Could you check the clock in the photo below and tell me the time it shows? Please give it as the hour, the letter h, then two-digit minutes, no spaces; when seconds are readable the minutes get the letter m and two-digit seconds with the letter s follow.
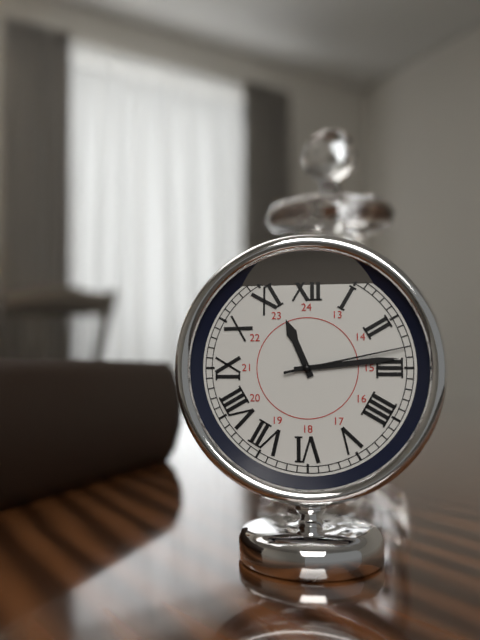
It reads 11h14m13s
